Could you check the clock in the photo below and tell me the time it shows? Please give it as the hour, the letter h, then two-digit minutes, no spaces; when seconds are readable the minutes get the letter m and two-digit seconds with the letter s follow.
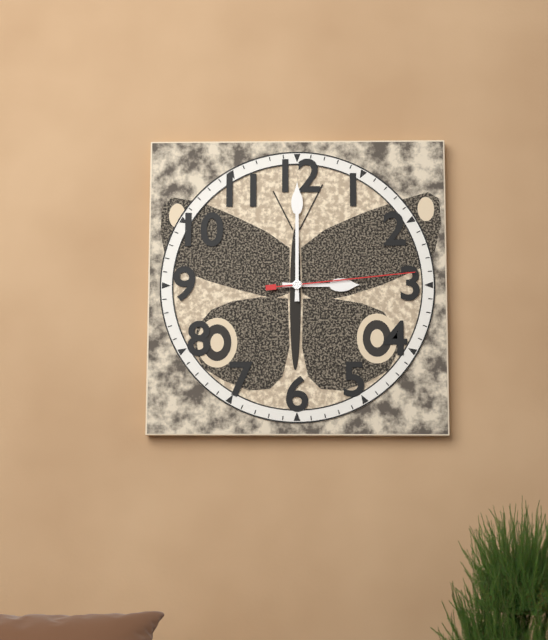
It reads 3h00m14s
